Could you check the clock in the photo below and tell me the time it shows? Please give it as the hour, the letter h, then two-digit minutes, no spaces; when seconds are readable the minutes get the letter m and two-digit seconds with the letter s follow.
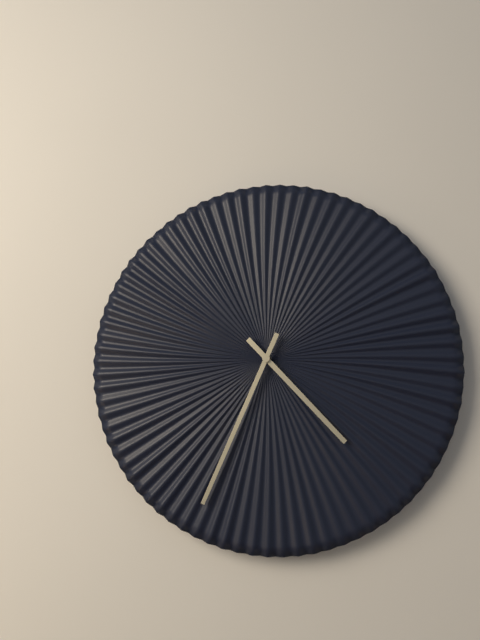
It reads 4h34
